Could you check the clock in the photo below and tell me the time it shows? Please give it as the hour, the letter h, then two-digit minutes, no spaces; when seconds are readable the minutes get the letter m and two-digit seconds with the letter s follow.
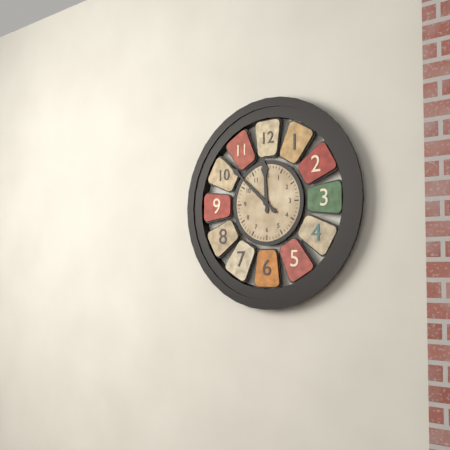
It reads 11h52
